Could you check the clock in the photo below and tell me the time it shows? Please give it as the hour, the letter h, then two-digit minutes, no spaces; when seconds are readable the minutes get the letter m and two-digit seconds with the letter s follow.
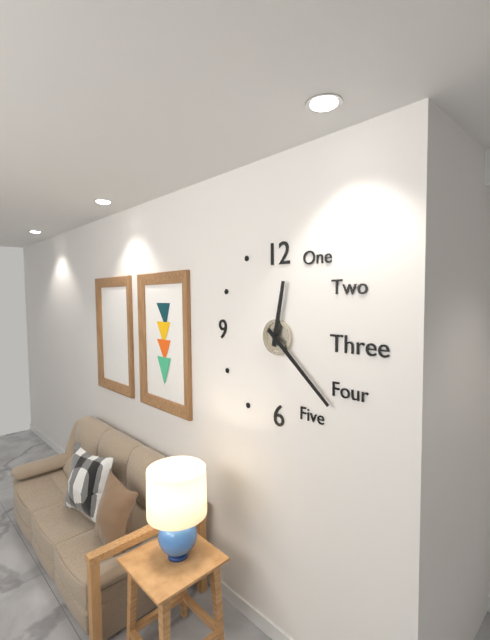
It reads 12h22
